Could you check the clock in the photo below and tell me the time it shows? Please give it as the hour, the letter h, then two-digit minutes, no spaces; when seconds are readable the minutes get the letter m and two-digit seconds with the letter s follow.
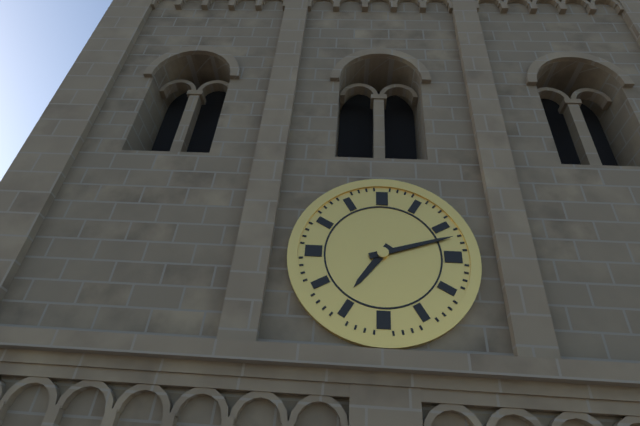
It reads 7h12
